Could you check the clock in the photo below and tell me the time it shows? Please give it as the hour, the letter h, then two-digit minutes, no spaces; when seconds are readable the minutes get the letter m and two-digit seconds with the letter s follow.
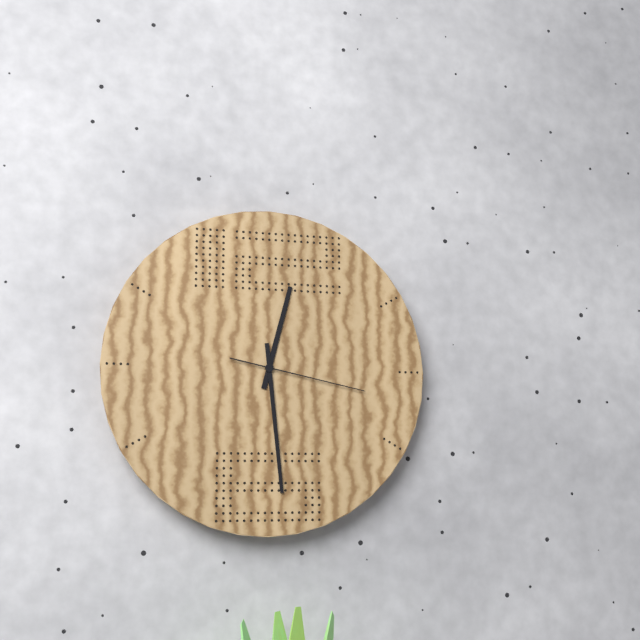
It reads 12h29m17s
